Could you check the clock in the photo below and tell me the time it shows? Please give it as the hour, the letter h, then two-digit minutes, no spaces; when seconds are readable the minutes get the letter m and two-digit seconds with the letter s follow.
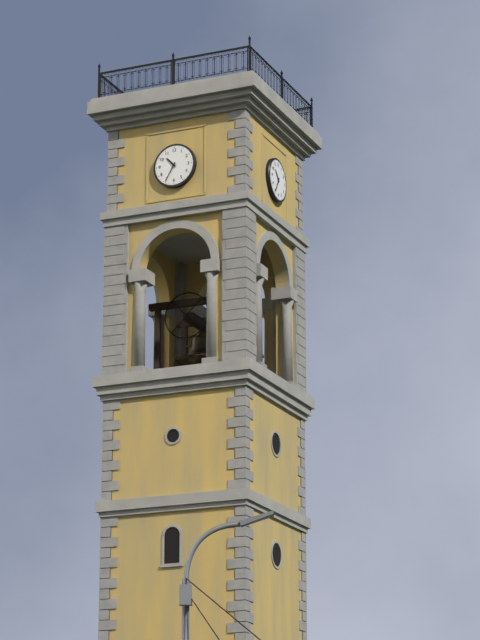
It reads 10h35
